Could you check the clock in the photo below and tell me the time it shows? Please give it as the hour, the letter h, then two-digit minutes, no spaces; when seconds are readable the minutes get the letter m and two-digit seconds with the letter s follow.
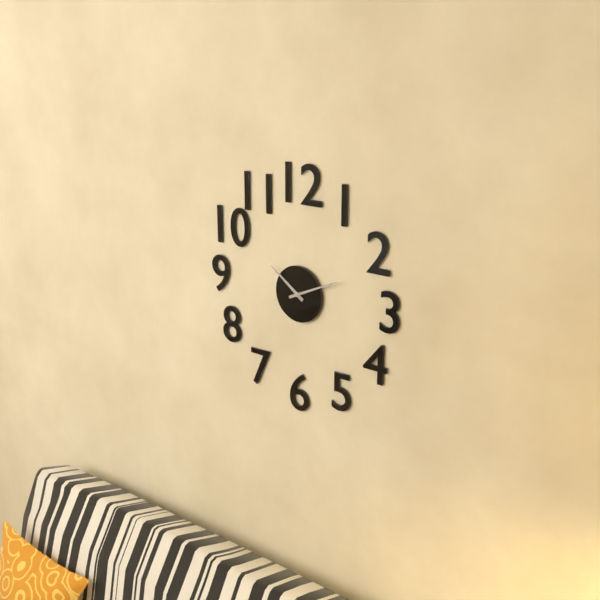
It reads 10h11
